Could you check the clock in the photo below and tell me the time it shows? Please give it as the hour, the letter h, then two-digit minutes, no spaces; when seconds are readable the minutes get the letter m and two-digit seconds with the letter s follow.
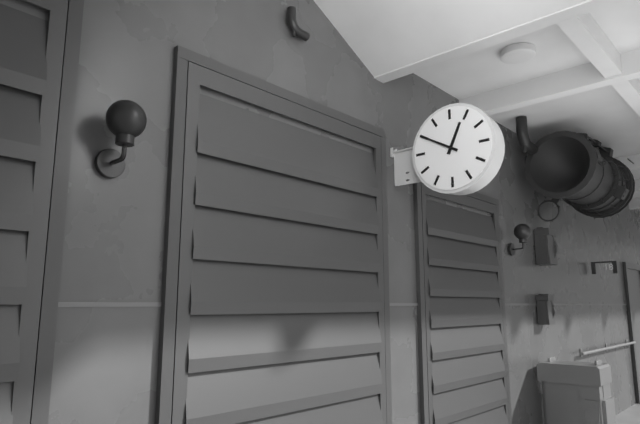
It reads 12h50
